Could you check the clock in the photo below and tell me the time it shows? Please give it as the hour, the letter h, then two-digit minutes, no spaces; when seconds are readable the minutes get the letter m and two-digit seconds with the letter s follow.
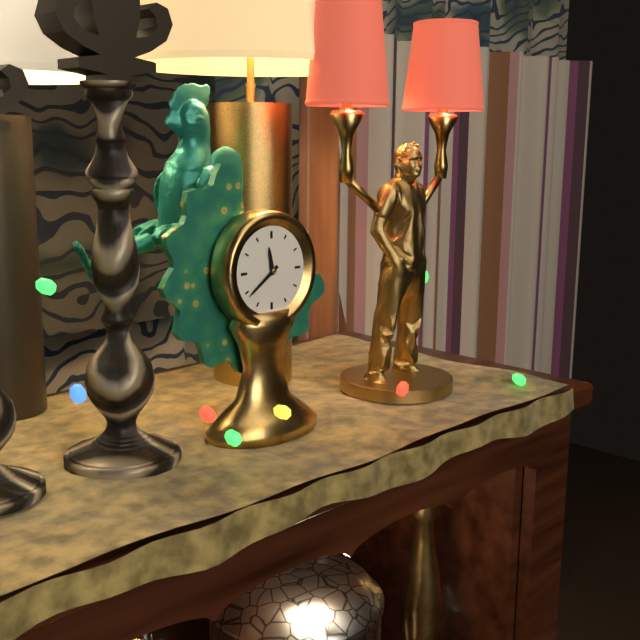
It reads 11h39
